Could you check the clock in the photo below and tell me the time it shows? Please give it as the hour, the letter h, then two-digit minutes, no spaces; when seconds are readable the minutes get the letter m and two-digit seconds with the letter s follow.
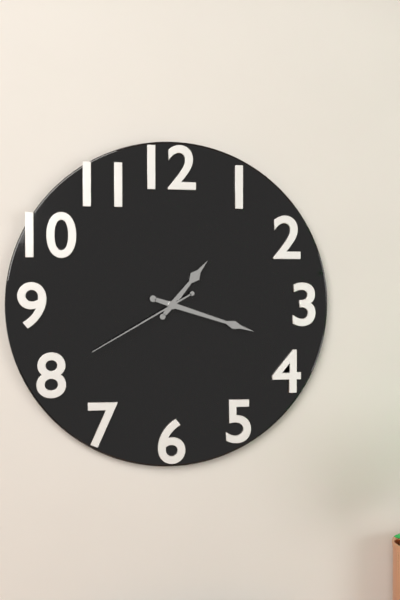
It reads 1h18m40s
